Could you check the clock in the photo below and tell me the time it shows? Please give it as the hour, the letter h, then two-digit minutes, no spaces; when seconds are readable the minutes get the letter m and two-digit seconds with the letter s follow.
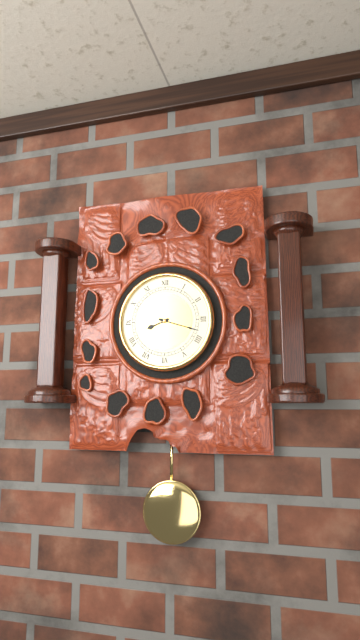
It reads 8h18
